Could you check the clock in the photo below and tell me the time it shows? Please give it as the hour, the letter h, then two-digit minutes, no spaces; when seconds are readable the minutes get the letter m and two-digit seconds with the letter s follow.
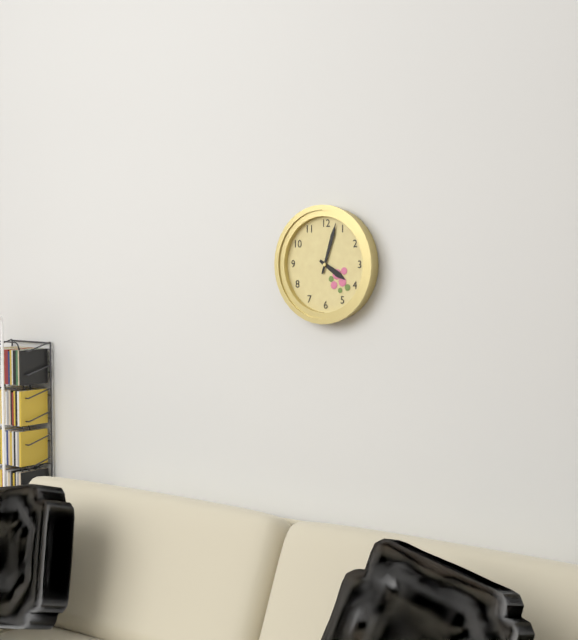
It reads 4h03
